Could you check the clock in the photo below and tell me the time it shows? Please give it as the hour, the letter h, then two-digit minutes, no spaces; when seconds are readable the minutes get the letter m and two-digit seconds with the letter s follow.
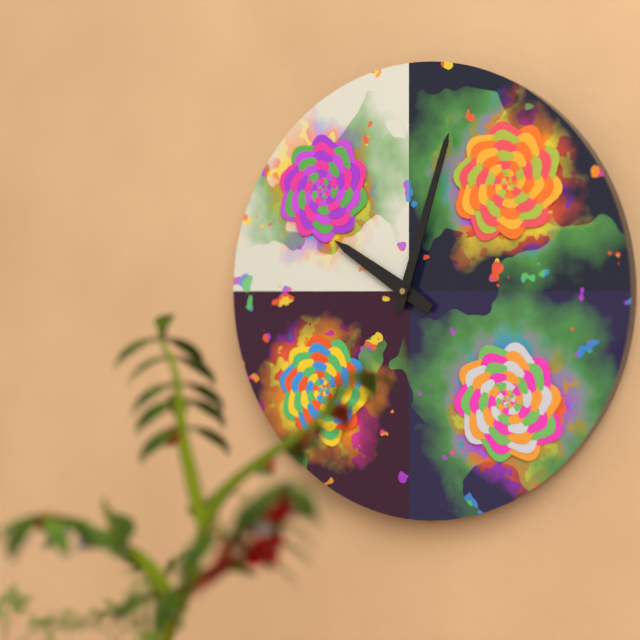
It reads 10h03
